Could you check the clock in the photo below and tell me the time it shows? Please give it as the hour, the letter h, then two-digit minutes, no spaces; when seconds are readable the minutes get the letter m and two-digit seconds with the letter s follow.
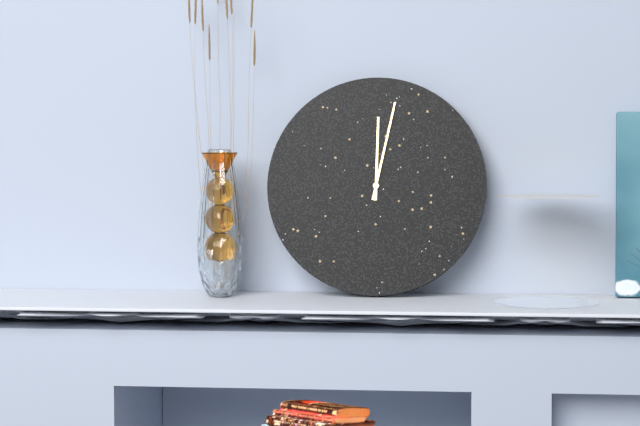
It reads 12h02
